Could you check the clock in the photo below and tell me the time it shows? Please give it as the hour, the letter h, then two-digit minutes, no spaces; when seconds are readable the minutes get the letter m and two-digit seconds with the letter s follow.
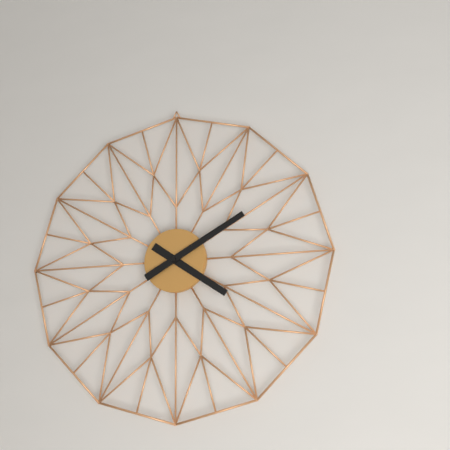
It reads 4h10
